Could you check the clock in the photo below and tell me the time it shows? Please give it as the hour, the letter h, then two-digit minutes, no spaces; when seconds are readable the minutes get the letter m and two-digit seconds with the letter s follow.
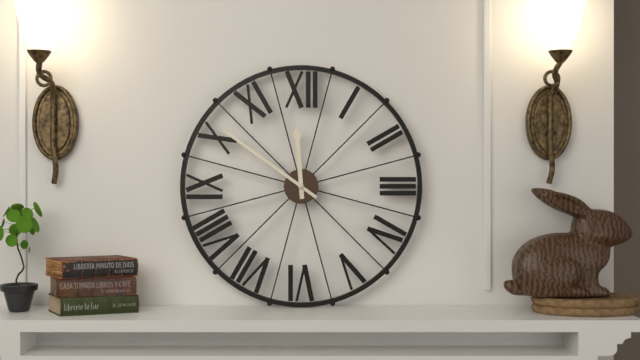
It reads 11h51
